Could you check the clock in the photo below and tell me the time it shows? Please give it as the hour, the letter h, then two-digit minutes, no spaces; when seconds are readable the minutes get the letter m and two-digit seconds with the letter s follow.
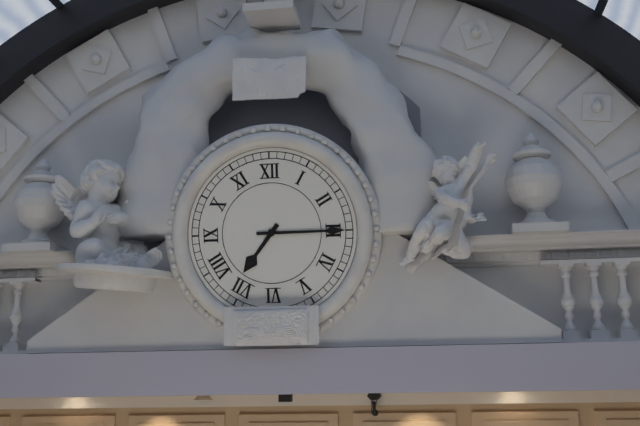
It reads 7h15
